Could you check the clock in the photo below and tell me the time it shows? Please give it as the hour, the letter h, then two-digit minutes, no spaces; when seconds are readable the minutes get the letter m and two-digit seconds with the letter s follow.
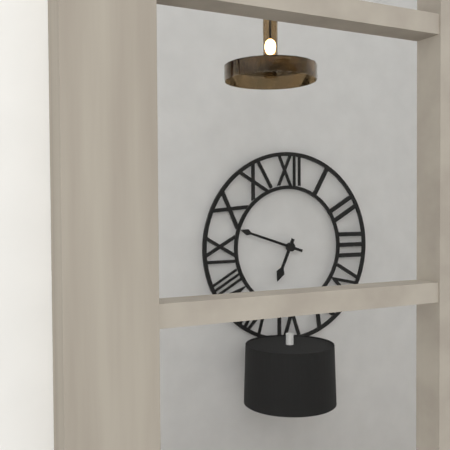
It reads 6h48
